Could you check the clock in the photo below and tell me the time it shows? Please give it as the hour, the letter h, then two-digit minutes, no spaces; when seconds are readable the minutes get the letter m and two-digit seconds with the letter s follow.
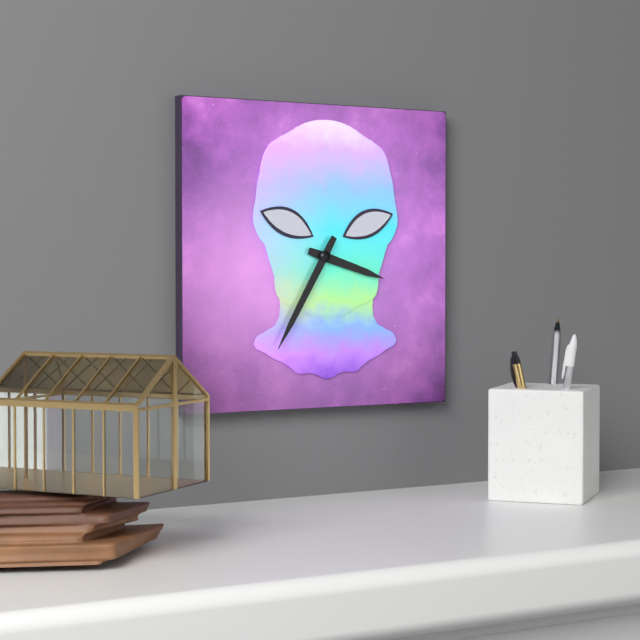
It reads 3h35
